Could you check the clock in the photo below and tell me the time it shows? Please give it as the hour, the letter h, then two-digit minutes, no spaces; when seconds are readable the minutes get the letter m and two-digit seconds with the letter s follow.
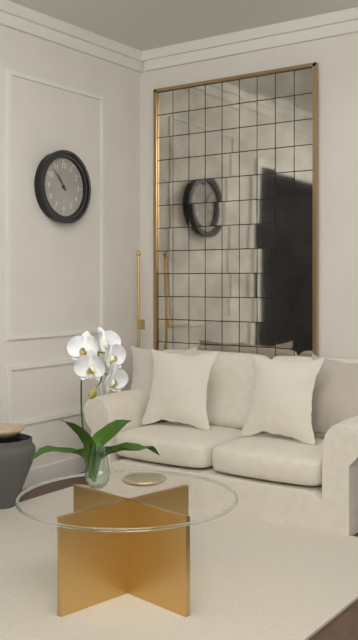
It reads 10h53
